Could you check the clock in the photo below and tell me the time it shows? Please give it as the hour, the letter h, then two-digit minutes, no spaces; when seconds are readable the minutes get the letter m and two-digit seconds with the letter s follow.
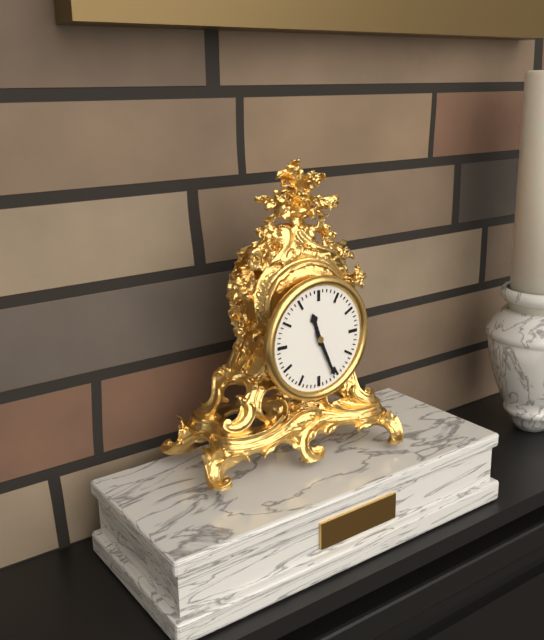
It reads 11h26
